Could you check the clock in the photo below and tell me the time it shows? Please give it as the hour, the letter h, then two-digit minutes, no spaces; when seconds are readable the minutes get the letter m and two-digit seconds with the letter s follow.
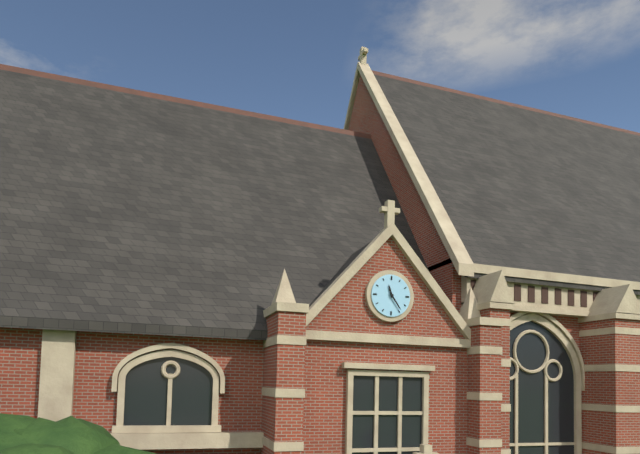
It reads 11h24
